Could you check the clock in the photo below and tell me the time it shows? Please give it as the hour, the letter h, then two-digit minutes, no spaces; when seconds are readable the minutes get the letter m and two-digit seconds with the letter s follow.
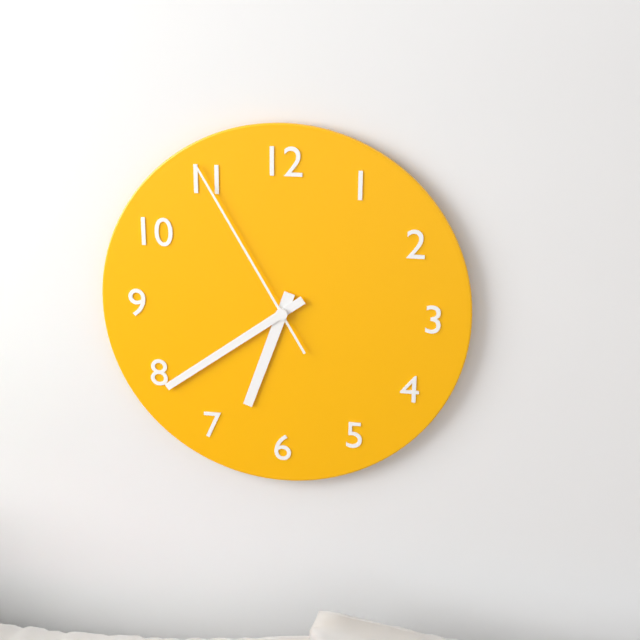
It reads 6h39m55s
